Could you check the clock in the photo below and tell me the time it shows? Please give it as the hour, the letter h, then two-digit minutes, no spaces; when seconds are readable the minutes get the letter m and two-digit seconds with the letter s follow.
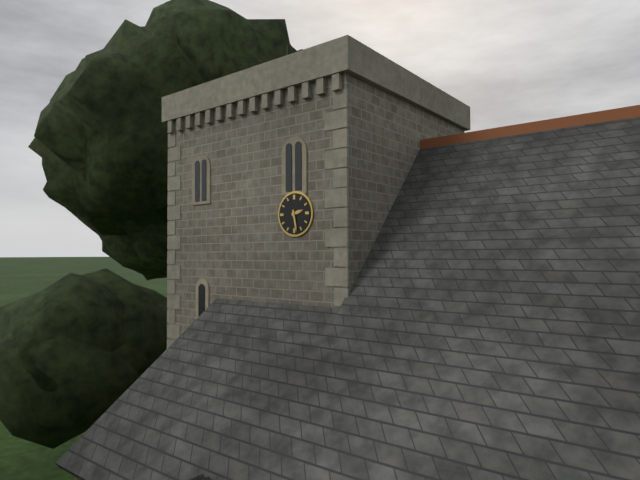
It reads 2h28
